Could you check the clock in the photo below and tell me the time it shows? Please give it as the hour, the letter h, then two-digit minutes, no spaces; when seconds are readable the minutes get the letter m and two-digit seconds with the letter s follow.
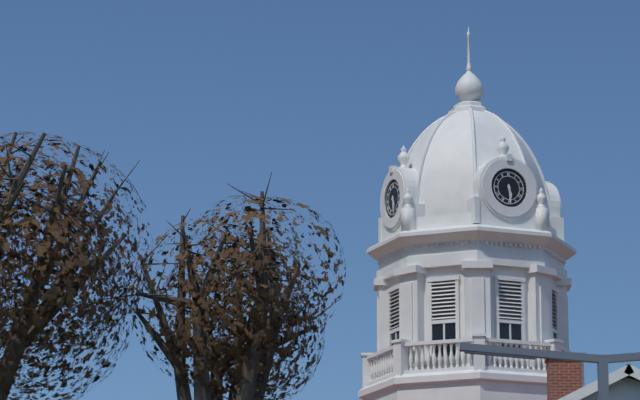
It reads 5h29
